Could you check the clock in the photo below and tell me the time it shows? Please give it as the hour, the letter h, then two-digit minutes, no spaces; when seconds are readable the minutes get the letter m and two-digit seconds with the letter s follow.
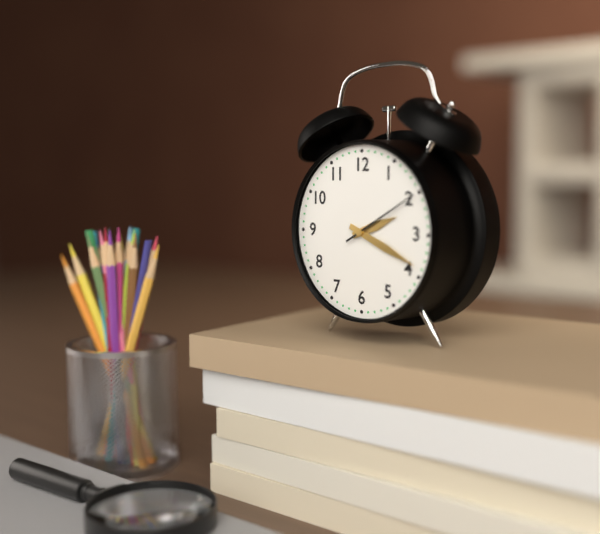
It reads 2h19m10s
